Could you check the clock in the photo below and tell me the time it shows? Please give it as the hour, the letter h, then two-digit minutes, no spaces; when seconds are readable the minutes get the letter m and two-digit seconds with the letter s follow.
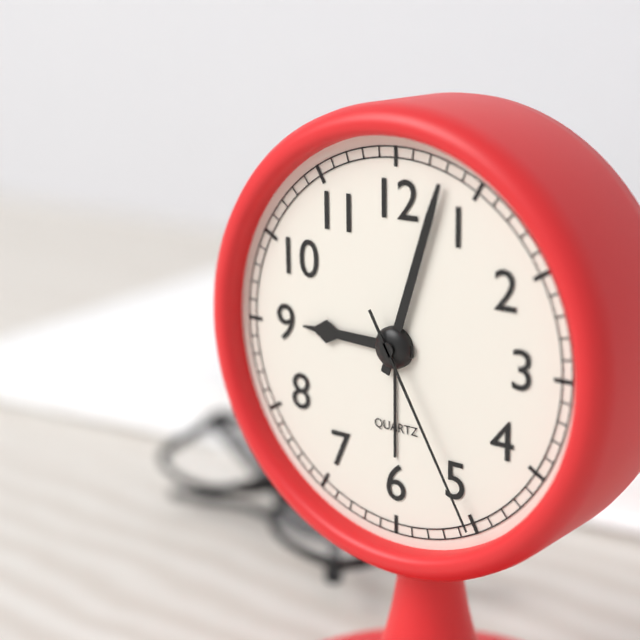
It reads 9h03m25s
